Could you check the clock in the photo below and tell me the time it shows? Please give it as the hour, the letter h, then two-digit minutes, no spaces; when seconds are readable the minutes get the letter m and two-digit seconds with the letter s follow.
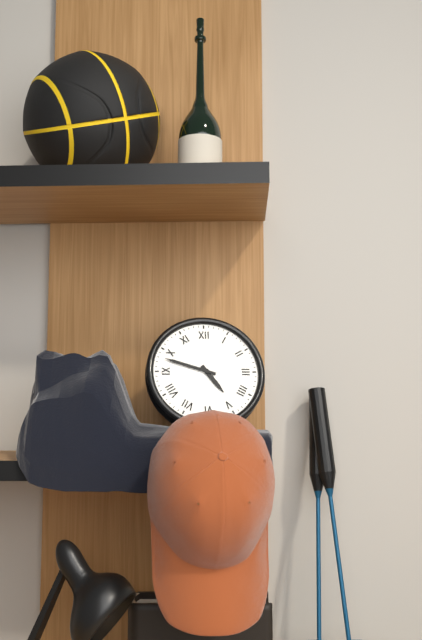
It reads 4h48
